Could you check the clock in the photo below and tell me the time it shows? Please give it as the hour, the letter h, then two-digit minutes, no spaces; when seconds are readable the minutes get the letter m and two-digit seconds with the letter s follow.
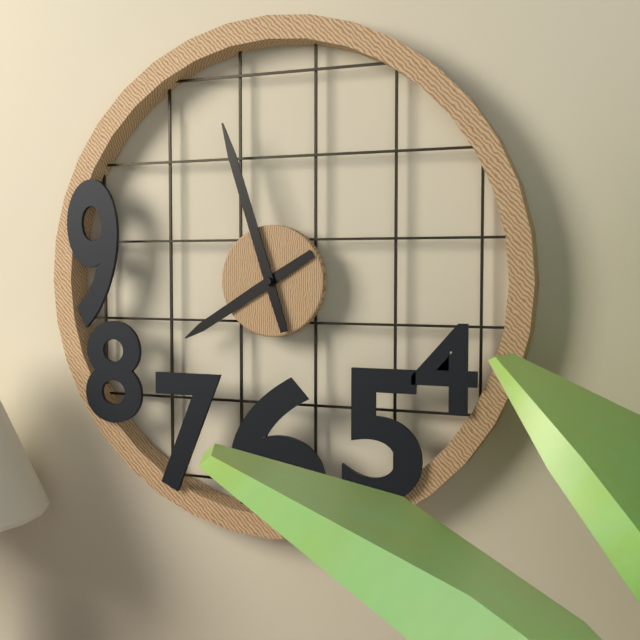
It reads 7h57
